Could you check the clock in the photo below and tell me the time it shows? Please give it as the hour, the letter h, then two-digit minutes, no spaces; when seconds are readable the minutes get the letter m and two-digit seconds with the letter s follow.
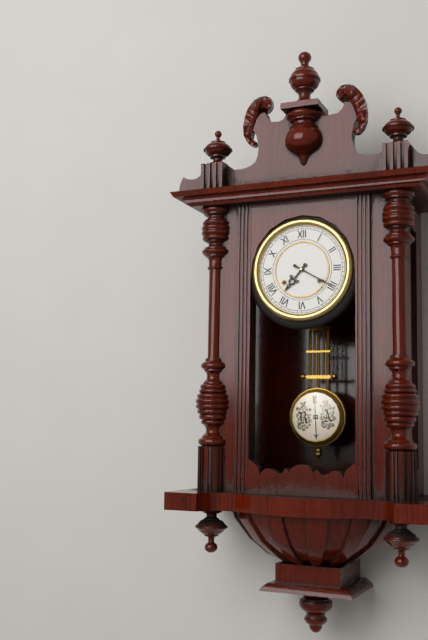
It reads 7h20
